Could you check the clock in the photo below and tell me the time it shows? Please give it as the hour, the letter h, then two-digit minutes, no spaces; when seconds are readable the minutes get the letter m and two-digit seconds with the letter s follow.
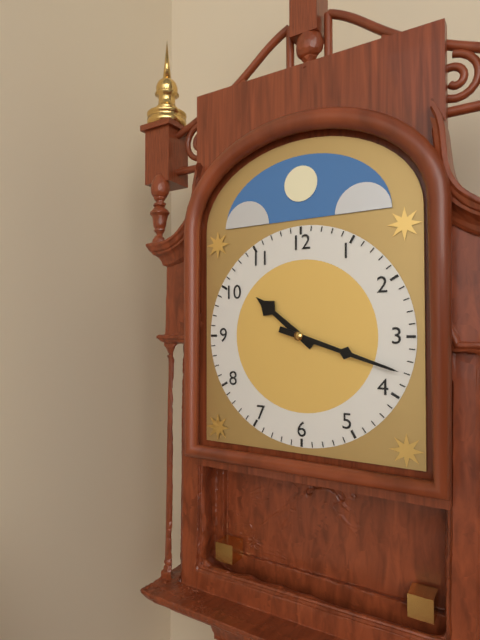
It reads 10h18
